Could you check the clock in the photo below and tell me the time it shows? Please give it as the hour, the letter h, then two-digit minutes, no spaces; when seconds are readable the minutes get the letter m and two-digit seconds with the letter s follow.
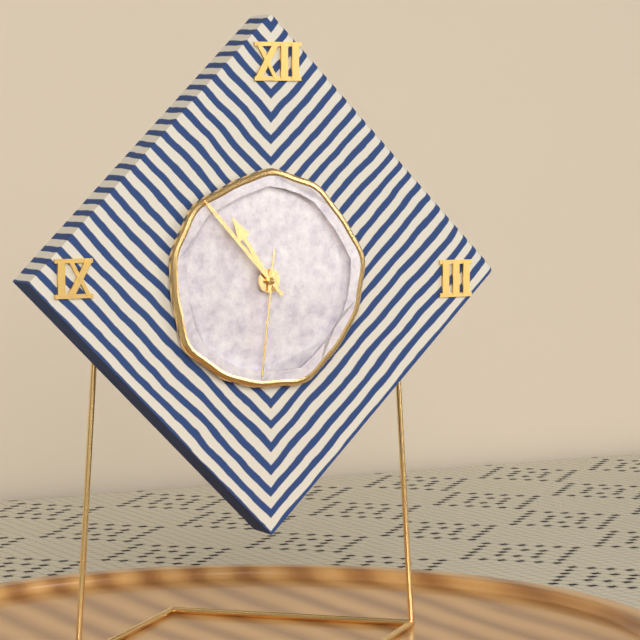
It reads 10h53m31s
